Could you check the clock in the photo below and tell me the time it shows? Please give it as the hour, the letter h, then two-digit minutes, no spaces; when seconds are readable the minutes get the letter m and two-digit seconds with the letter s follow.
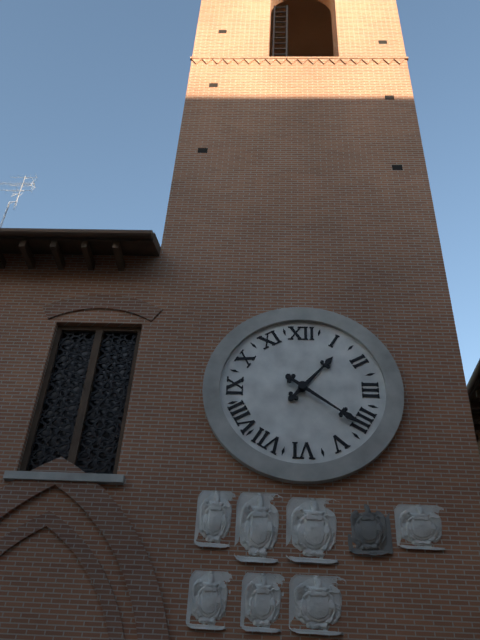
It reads 1h21
